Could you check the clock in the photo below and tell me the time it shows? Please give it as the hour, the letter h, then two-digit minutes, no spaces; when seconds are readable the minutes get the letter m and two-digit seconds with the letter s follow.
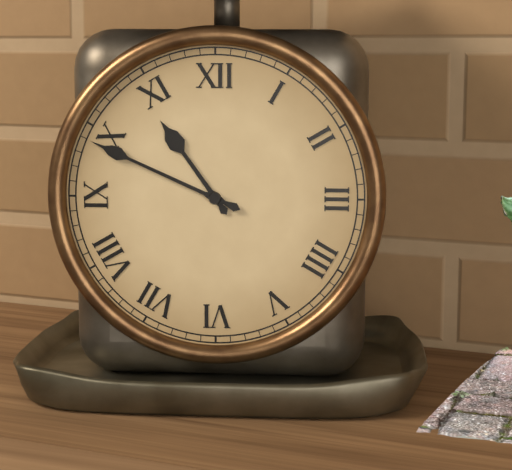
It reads 10h49
